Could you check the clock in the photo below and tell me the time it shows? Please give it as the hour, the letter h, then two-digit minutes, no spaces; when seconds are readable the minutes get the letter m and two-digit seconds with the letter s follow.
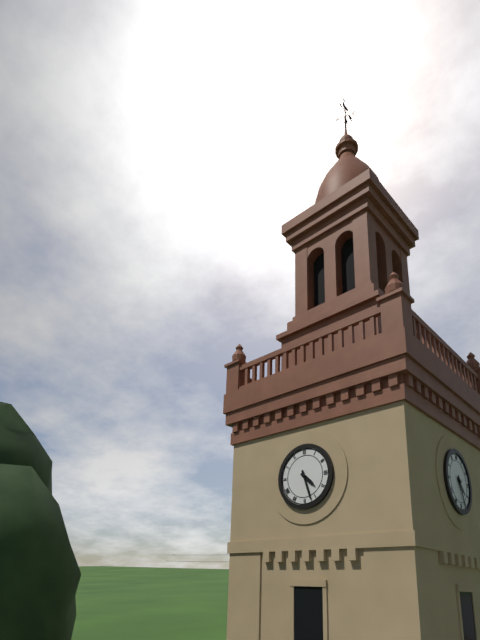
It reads 4h27
